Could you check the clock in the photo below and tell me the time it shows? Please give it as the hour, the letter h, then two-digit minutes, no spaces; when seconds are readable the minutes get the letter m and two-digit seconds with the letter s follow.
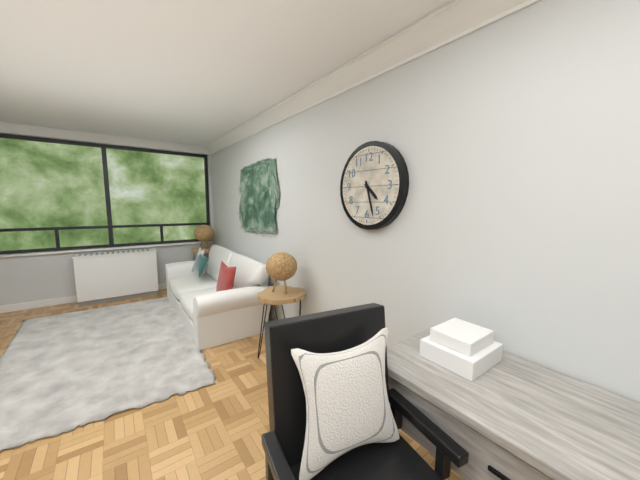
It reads 4h27
